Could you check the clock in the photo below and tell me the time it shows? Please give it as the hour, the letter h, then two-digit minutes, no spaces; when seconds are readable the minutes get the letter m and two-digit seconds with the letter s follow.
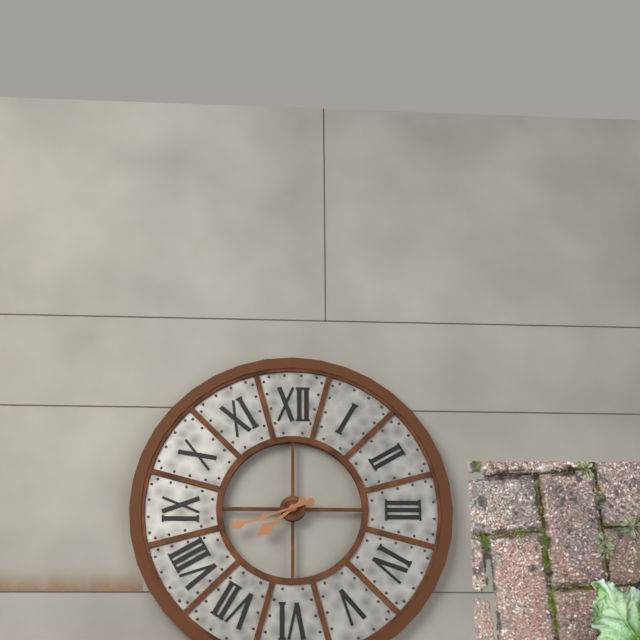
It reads 7h42
